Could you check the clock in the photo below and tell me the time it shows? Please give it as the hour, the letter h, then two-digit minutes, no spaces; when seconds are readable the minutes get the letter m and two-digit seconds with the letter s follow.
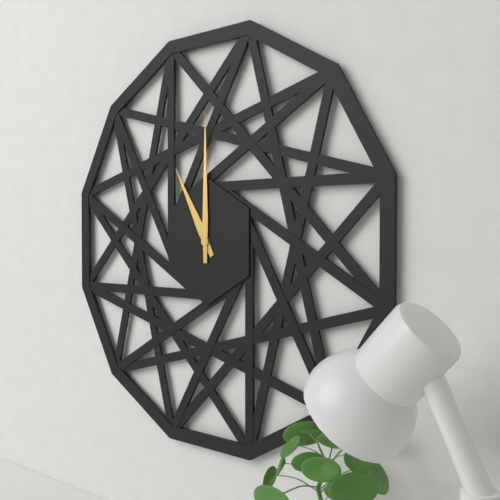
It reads 11h00
